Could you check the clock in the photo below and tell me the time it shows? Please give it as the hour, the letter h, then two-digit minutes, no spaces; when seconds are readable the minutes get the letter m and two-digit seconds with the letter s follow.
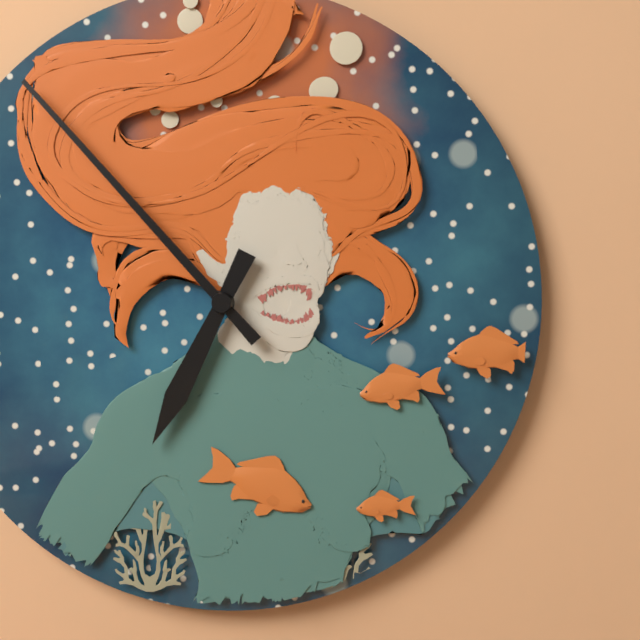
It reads 6h53
